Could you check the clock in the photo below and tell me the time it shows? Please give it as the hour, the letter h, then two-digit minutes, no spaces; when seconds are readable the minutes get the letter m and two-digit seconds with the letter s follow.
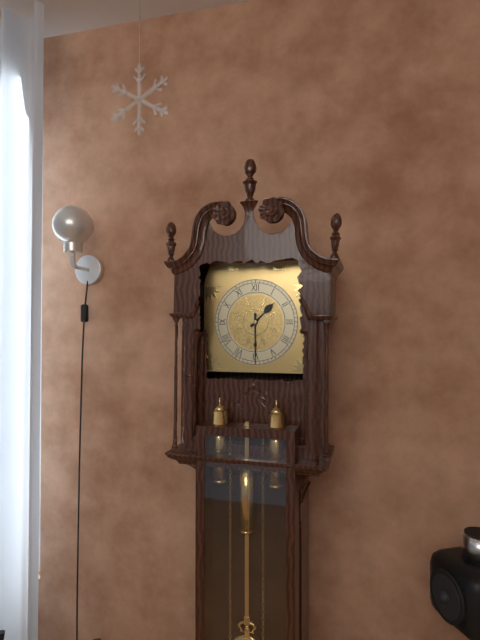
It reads 1h30
